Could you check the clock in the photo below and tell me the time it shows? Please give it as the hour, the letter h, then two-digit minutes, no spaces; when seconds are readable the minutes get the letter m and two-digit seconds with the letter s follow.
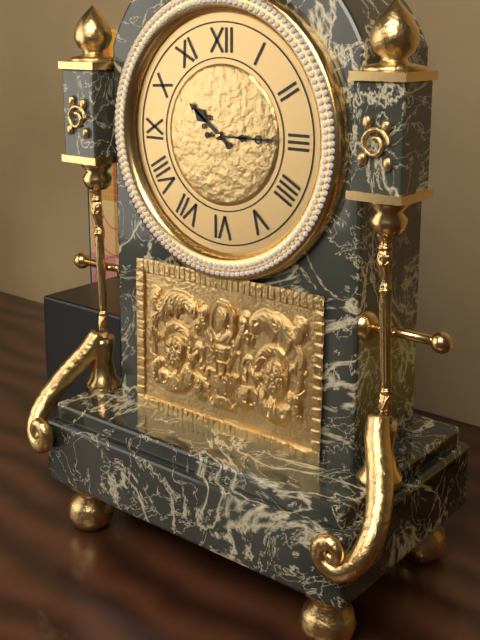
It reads 10h15
